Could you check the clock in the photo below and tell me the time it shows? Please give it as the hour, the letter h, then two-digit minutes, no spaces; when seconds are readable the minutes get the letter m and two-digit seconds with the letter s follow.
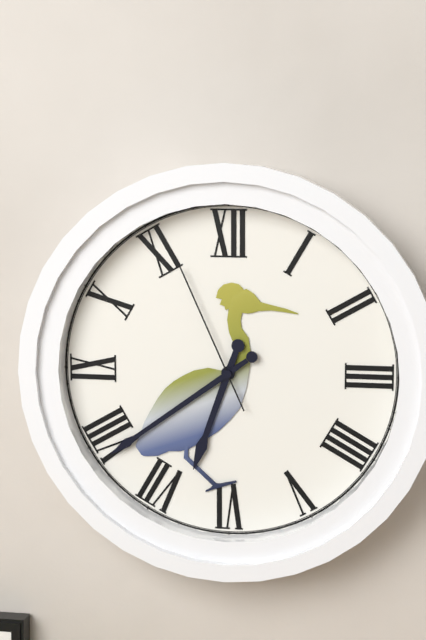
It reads 6h39m56s
